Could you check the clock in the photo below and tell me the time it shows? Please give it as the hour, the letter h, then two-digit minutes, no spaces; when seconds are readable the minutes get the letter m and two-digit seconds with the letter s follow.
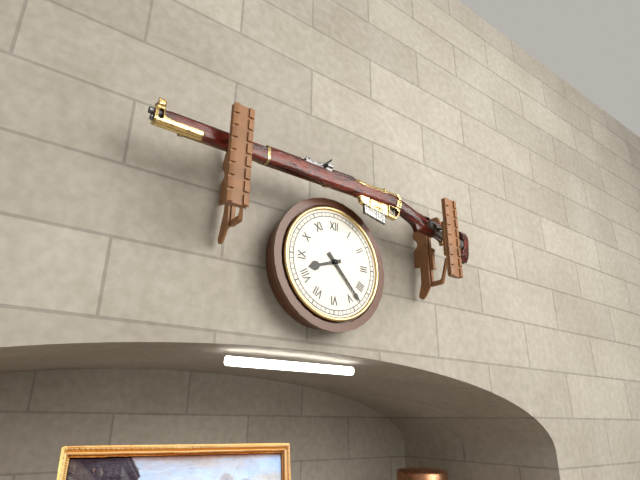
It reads 8h23
